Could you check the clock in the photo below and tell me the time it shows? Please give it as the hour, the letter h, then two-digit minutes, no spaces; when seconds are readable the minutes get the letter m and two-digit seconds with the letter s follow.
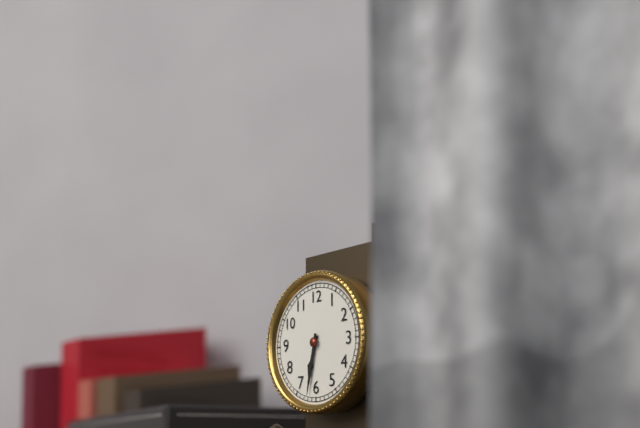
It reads 6h32
